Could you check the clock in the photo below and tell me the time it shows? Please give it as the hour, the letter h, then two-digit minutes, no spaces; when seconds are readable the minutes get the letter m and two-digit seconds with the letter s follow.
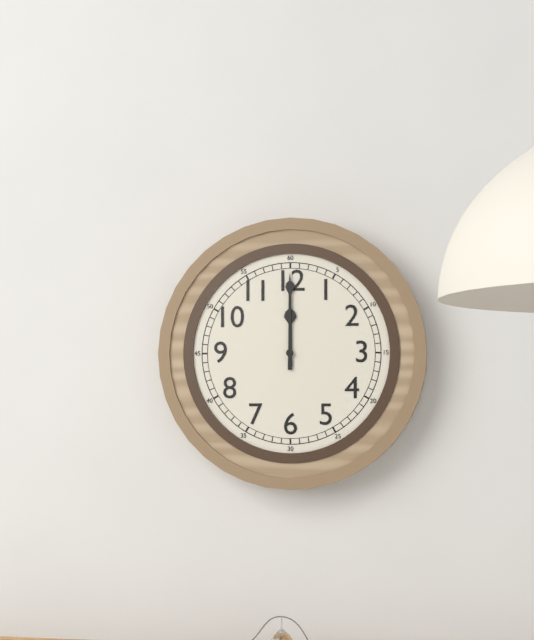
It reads 12h00
